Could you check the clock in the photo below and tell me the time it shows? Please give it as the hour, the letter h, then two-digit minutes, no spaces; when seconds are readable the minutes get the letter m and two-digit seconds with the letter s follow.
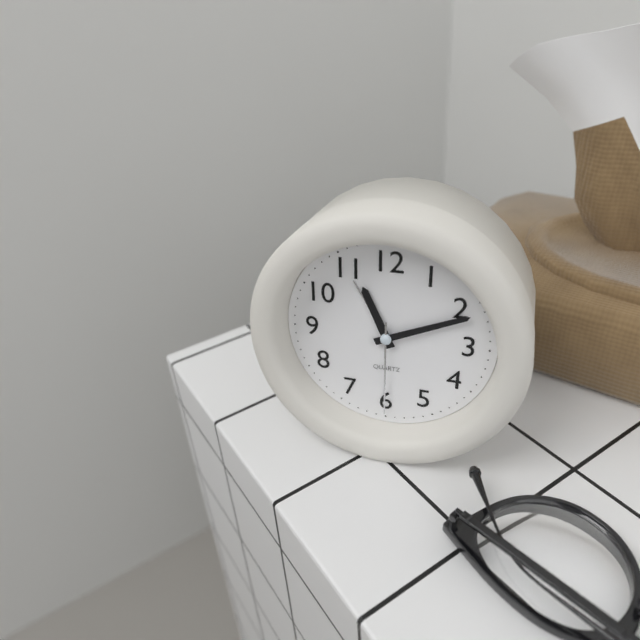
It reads 11h11m30s
